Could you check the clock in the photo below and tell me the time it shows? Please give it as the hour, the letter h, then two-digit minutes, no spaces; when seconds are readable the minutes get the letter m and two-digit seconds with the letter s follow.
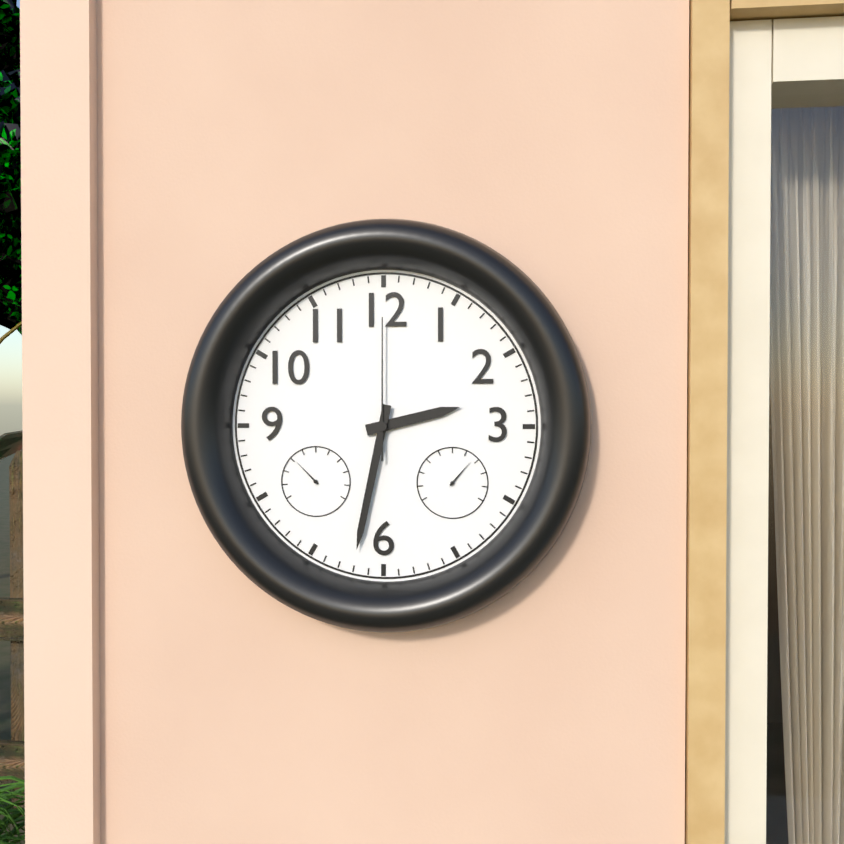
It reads 2h32m00s
